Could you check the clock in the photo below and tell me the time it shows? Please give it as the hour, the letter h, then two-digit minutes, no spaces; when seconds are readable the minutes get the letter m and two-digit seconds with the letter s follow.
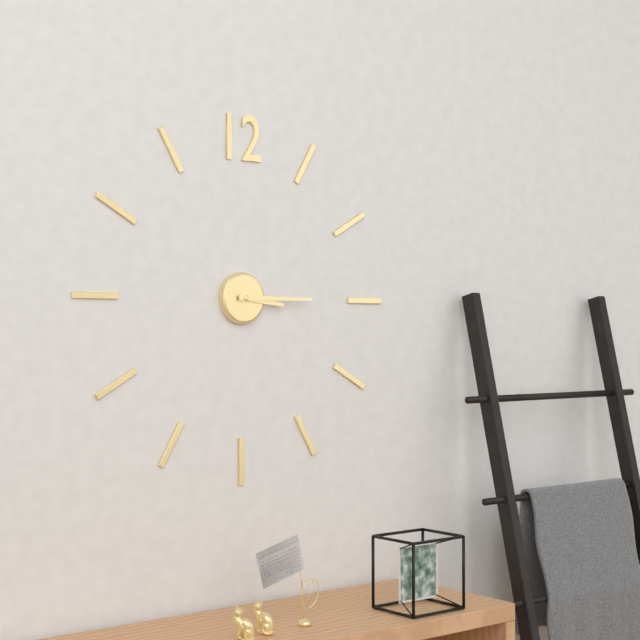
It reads 3h15
